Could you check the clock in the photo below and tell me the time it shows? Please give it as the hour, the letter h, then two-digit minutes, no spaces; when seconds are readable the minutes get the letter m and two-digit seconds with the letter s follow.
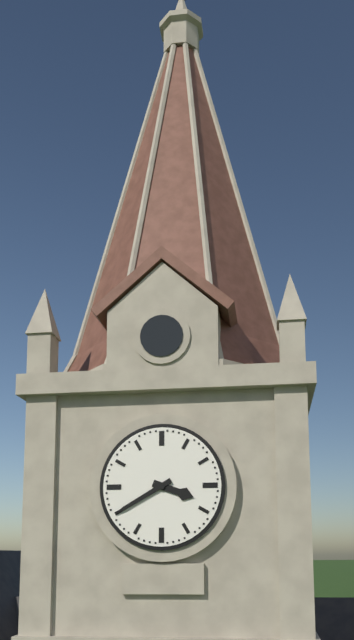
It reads 3h40
